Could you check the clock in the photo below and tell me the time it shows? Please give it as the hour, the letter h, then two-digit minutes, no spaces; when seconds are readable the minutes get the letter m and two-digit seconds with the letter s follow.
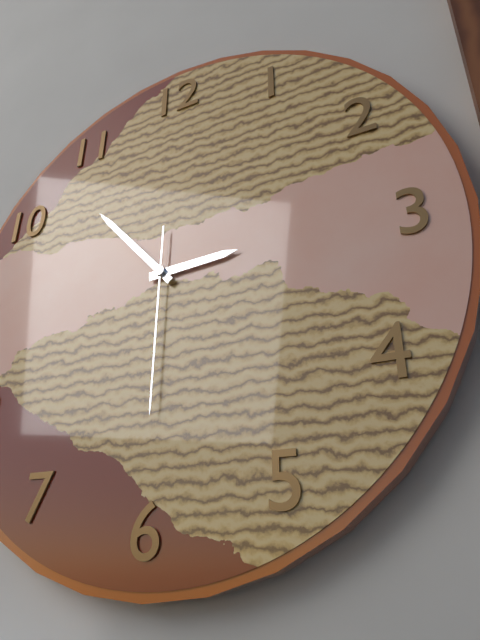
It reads 2h53m30s
